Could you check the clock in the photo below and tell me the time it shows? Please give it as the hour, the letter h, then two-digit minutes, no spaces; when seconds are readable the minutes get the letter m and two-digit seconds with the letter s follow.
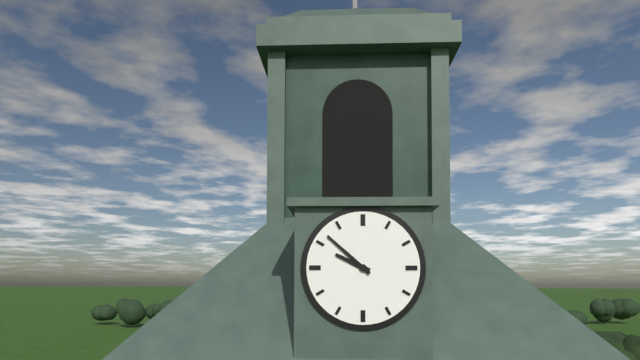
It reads 9h52
